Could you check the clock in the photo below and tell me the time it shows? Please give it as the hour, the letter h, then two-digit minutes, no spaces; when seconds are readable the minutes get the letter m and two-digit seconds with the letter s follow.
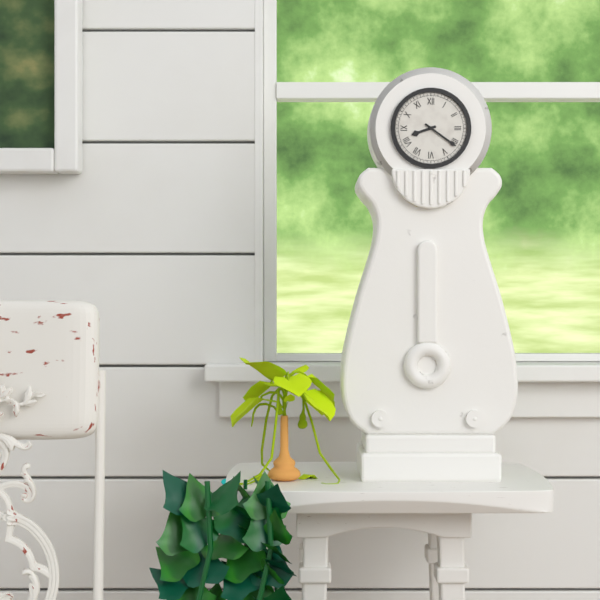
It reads 8h21
